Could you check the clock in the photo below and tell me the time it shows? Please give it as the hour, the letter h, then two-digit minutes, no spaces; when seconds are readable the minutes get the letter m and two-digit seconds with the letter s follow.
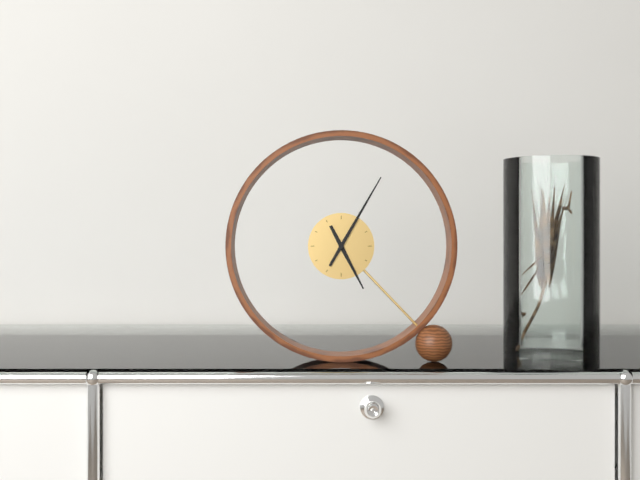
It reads 5h05
